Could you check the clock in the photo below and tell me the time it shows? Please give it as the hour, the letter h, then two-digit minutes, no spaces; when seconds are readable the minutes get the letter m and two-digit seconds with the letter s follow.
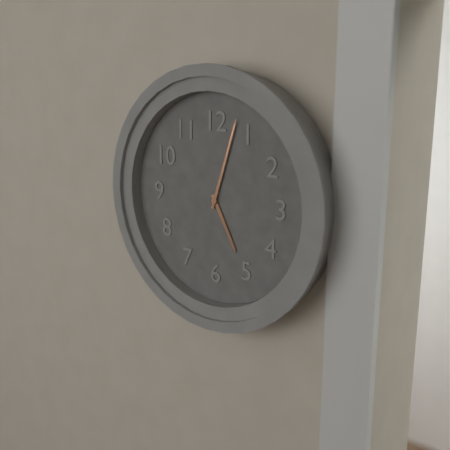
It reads 5h03
